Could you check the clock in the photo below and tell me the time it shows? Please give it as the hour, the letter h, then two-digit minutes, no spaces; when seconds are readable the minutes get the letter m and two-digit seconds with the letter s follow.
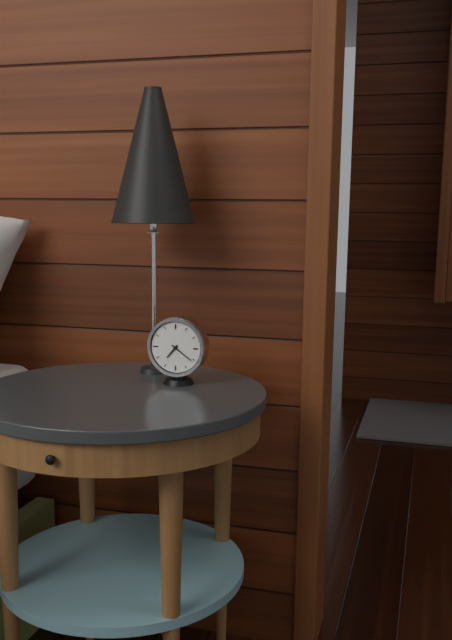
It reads 7h21
